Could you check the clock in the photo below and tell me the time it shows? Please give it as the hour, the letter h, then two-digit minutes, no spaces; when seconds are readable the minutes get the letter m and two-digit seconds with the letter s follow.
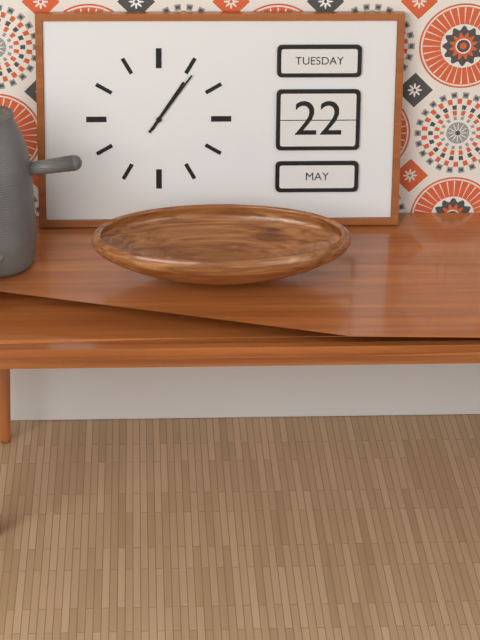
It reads 1h06
